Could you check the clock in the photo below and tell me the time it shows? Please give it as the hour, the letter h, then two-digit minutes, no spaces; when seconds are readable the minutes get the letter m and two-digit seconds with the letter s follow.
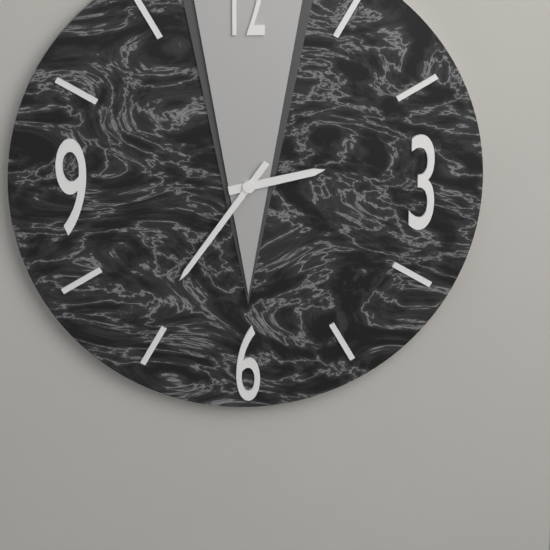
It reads 2h36
